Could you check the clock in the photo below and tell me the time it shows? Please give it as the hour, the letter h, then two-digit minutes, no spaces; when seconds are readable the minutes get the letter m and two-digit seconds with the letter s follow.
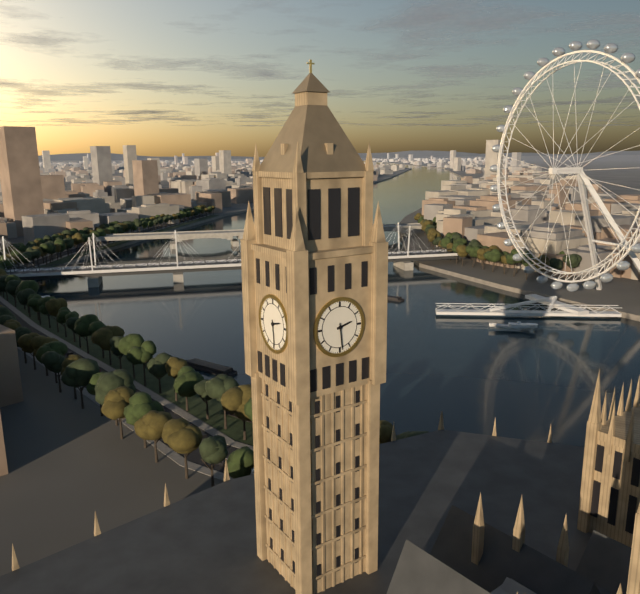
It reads 2h29
